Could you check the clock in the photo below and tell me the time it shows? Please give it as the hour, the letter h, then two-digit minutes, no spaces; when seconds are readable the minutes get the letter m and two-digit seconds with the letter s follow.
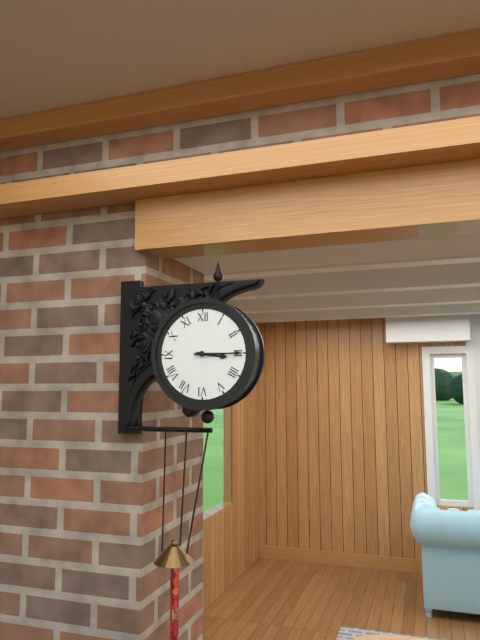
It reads 3h15
